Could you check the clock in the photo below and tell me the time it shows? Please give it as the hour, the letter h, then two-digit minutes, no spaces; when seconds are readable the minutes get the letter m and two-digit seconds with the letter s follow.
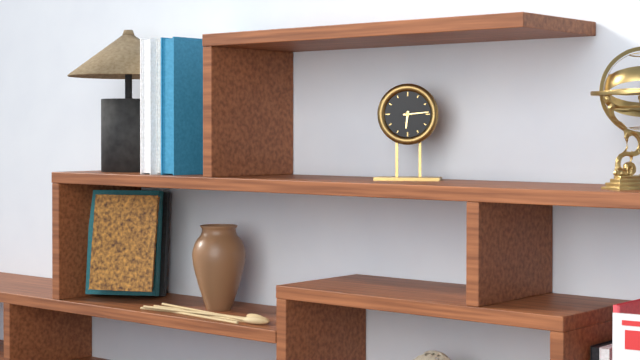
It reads 6h14
